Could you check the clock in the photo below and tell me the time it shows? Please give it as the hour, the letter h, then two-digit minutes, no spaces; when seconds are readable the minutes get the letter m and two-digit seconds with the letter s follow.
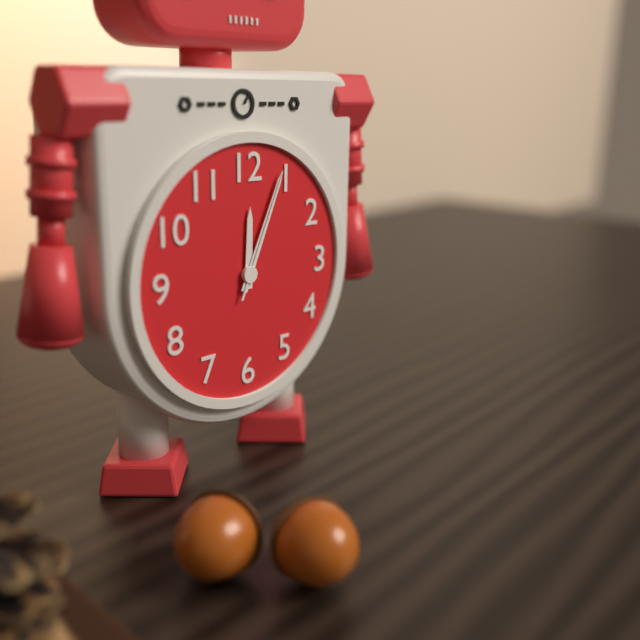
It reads 12h04m04s
